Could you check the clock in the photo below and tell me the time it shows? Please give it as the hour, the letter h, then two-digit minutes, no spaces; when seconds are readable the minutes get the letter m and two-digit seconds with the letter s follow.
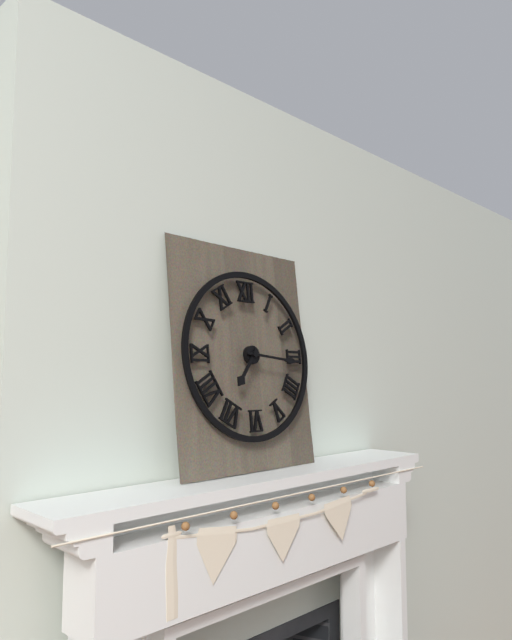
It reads 7h16
